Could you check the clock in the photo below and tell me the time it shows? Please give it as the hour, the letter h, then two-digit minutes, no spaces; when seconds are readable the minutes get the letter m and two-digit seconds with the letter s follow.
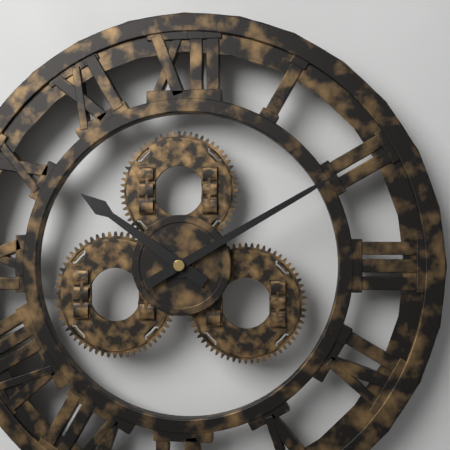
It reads 10h10
